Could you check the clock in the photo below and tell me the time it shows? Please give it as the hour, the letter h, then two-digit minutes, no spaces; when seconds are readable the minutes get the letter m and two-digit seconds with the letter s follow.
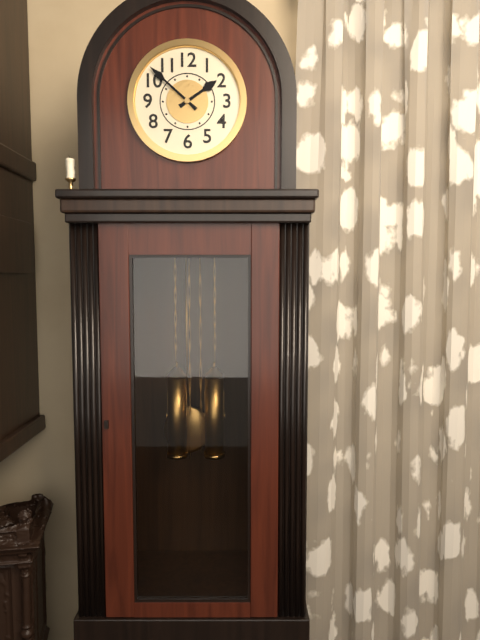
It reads 1h52
